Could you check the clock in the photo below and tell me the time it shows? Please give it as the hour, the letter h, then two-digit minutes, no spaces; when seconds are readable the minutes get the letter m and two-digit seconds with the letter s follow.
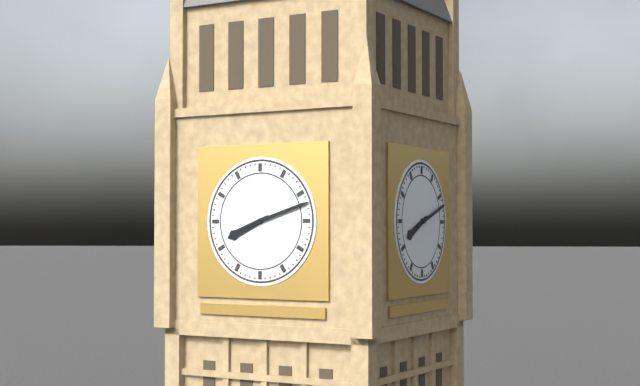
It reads 8h12
